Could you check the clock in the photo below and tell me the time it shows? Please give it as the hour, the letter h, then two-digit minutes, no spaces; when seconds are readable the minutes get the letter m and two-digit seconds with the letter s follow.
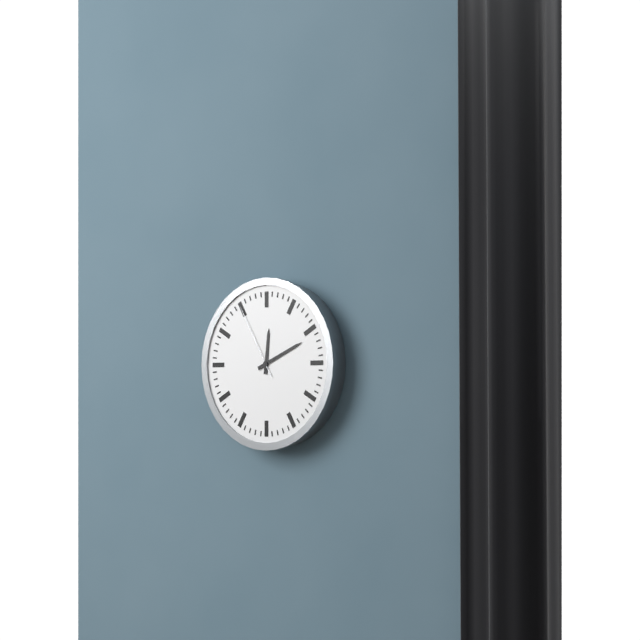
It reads 12h11m55s
